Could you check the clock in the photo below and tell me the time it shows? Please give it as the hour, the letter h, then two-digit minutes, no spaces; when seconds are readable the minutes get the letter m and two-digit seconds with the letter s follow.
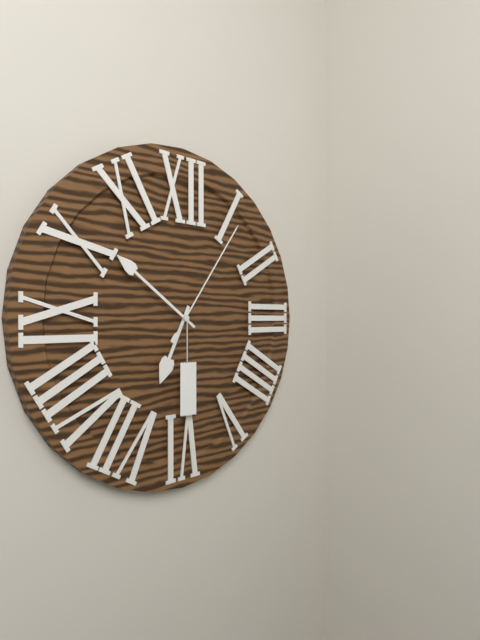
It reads 6h51m06s
